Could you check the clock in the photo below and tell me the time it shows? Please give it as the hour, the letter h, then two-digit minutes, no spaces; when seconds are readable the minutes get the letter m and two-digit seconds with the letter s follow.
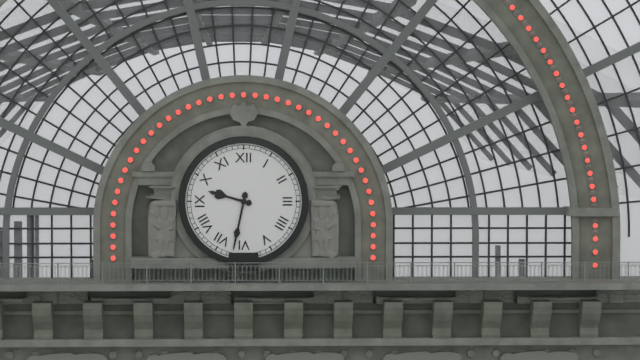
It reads 9h32
